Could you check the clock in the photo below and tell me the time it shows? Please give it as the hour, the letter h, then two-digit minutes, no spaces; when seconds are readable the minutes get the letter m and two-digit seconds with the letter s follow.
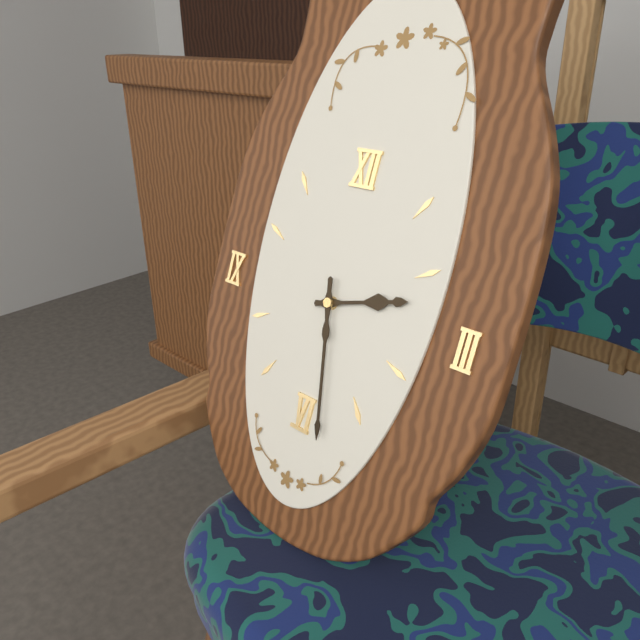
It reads 2h28
